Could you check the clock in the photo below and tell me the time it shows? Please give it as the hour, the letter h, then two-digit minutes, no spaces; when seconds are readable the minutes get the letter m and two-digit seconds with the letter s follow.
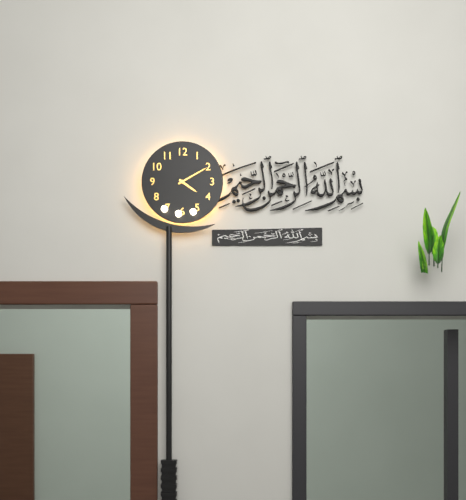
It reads 4h10
